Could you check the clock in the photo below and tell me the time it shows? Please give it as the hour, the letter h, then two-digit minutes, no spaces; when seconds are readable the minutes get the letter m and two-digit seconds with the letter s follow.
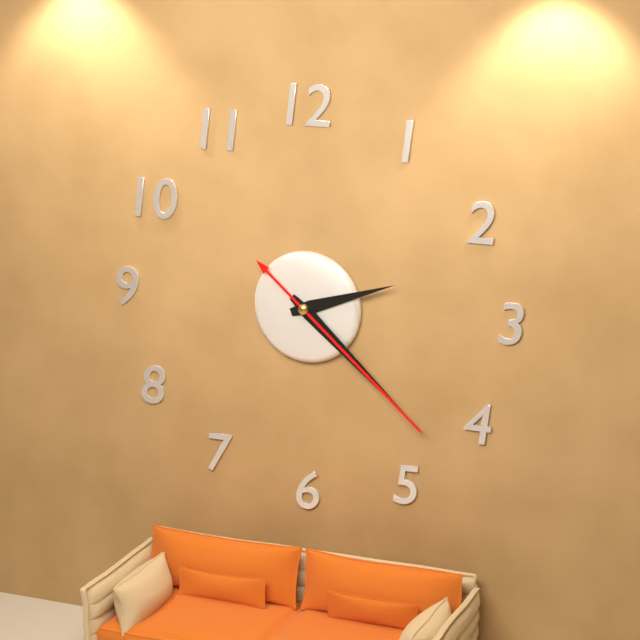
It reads 2h22m22s
